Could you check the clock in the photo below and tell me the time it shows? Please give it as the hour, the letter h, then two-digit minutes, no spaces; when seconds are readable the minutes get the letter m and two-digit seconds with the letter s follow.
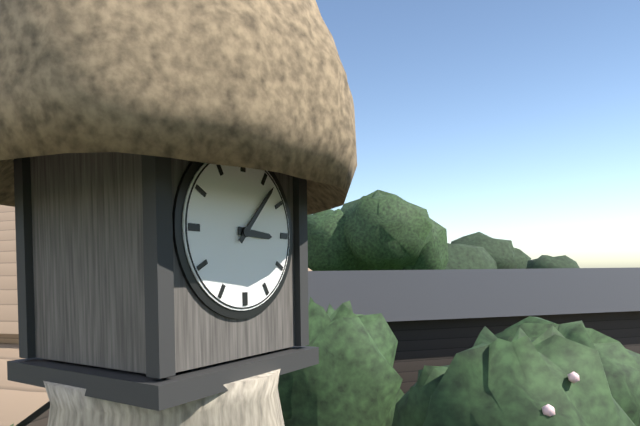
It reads 3h07
